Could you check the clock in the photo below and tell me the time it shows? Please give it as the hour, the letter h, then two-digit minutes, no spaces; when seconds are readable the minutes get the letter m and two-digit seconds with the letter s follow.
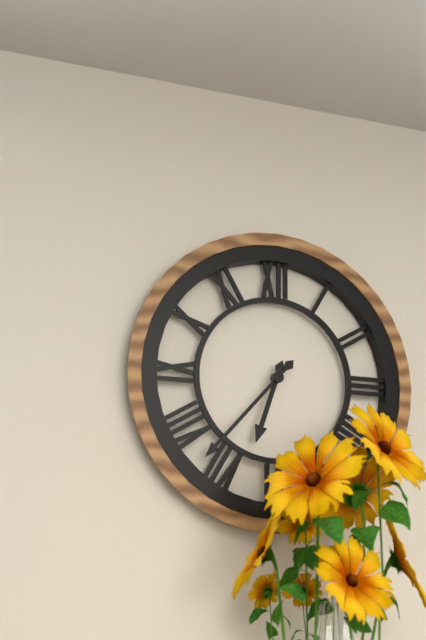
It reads 6h37
